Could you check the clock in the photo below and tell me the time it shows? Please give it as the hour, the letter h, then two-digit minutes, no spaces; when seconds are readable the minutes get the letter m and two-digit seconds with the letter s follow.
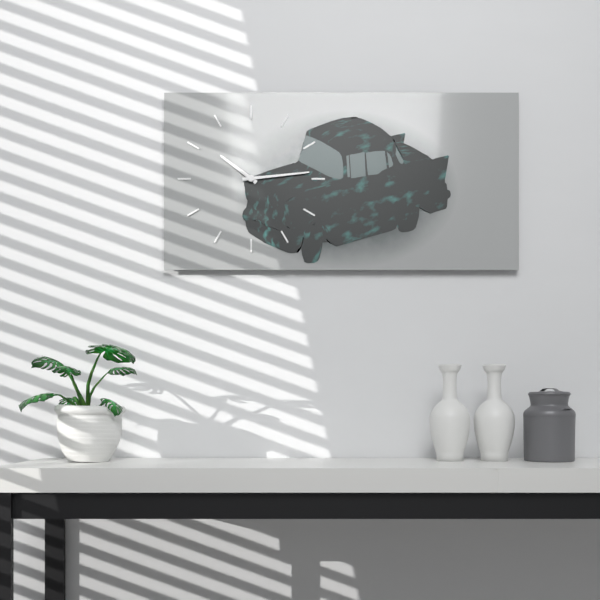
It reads 10h14
